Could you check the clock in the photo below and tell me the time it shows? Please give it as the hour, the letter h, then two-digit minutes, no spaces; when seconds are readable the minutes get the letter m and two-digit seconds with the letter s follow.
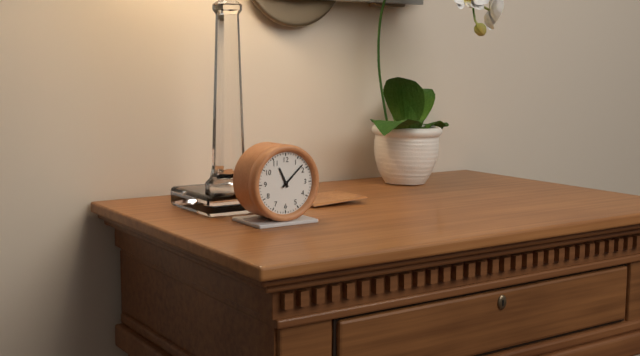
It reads 11h08
